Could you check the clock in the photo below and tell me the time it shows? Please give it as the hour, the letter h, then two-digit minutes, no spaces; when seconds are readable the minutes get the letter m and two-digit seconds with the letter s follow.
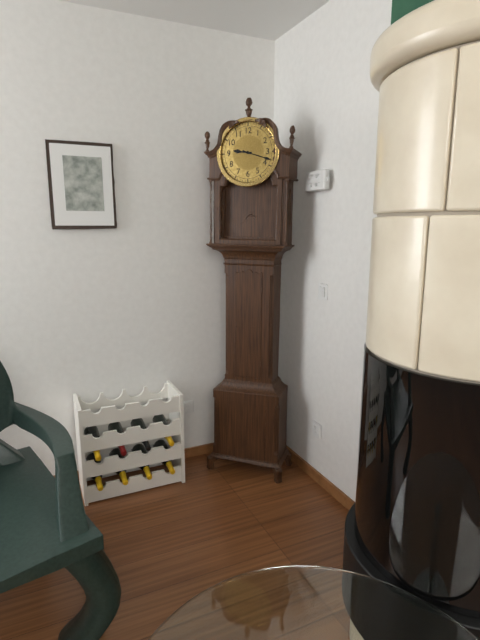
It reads 9h18
